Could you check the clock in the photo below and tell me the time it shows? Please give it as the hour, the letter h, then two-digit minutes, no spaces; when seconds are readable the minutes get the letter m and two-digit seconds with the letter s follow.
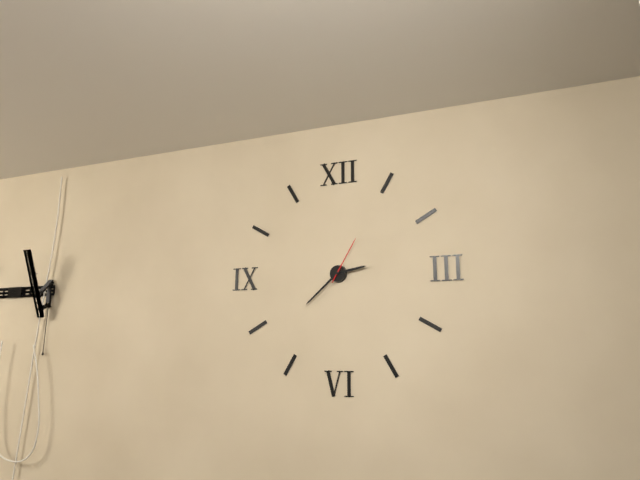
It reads 2h38m05s
